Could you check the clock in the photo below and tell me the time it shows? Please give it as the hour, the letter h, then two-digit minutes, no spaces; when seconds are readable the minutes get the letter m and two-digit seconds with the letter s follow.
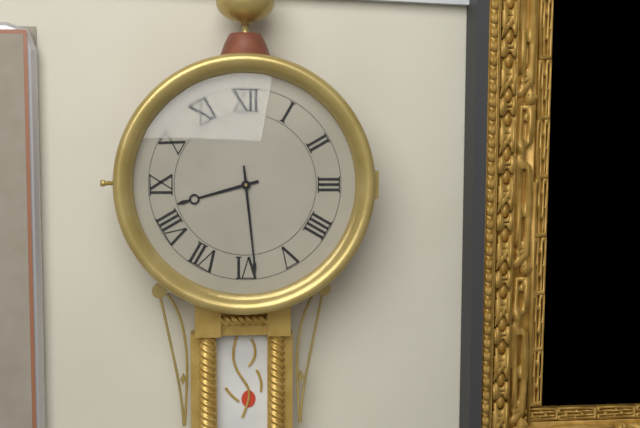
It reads 8h29
